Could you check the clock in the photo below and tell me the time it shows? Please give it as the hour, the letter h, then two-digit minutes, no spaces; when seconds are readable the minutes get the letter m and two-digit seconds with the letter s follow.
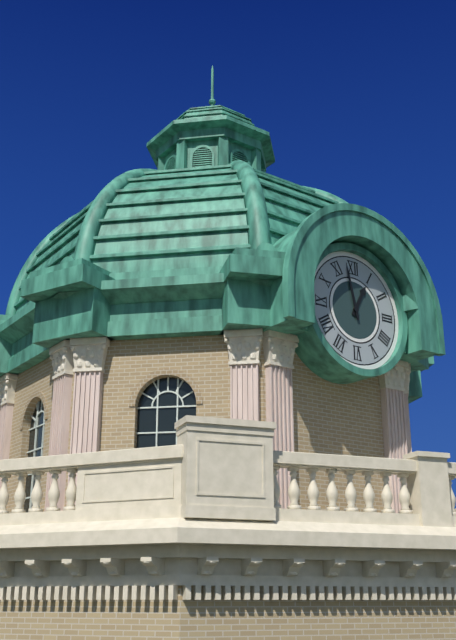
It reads 12h58
